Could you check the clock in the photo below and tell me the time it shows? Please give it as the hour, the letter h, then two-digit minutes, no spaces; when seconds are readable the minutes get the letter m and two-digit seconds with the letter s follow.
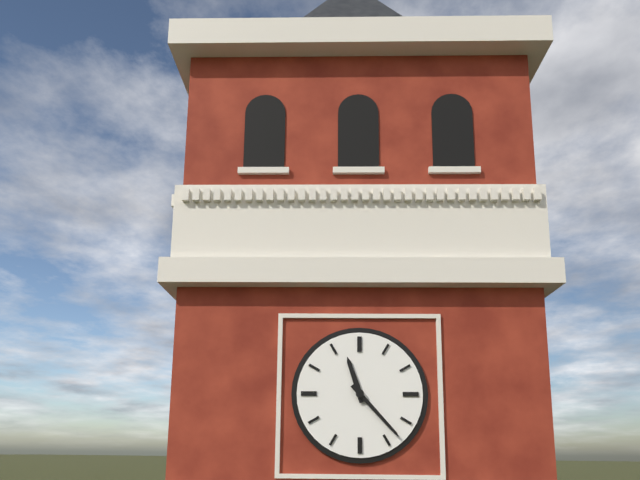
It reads 11h23
